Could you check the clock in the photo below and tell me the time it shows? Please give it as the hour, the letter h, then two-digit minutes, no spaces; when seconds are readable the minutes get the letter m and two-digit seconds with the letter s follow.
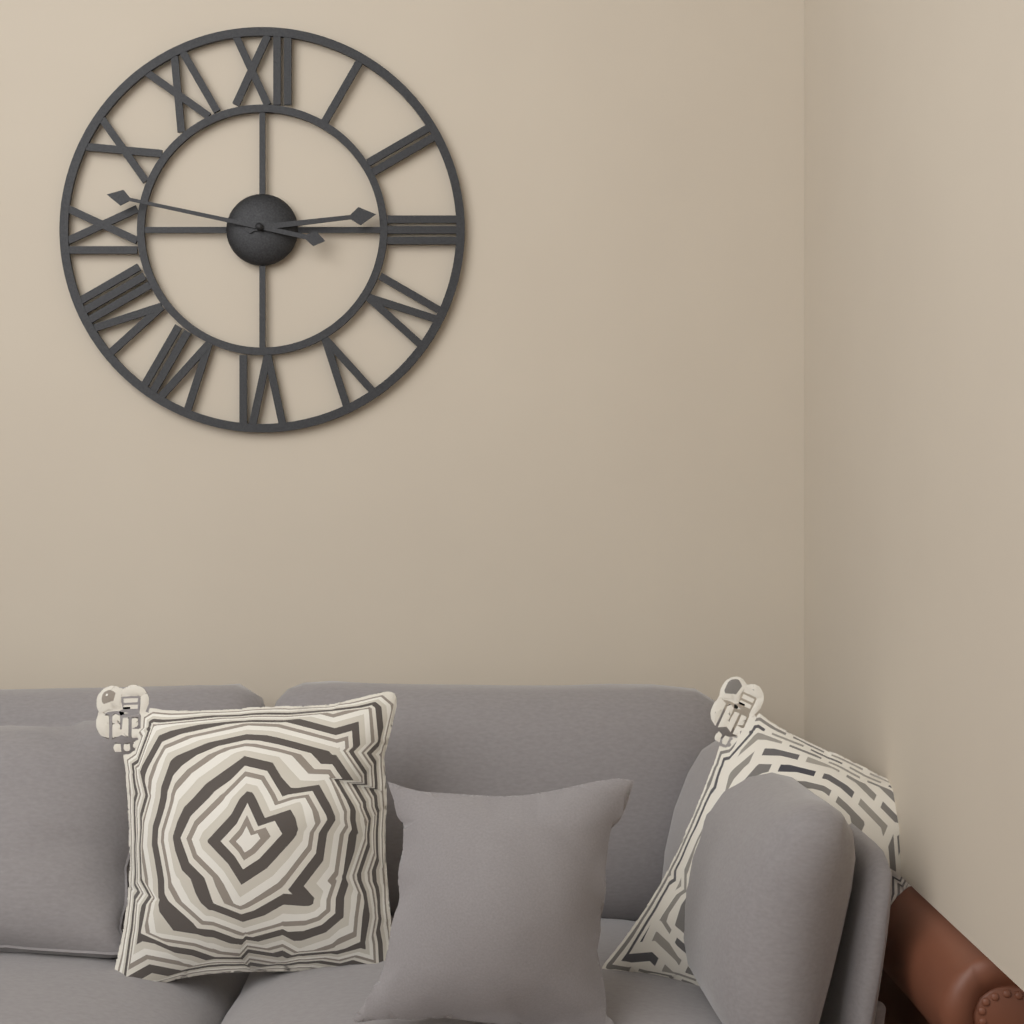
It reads 2h47
